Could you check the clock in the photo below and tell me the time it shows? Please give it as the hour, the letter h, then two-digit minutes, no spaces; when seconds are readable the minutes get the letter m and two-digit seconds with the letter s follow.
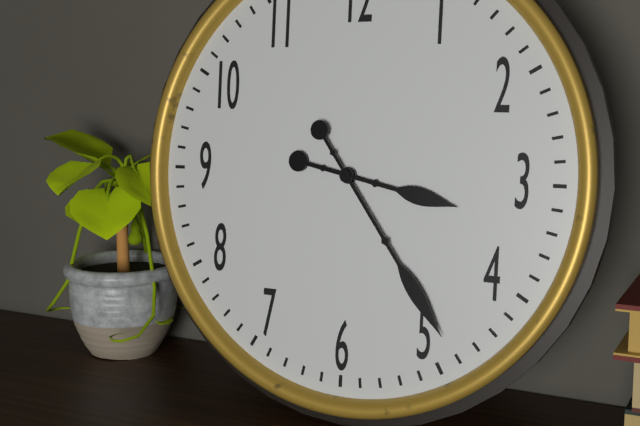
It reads 3h24
